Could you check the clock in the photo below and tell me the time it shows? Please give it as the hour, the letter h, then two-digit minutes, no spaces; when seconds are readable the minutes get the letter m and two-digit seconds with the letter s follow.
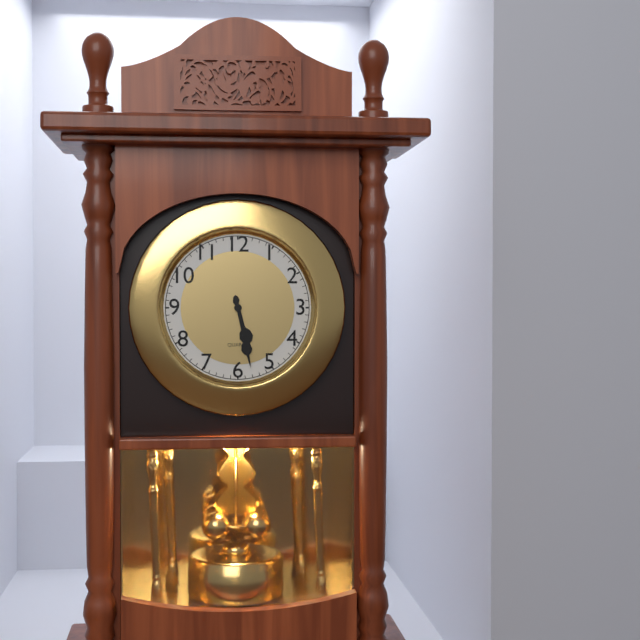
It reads 5h28
